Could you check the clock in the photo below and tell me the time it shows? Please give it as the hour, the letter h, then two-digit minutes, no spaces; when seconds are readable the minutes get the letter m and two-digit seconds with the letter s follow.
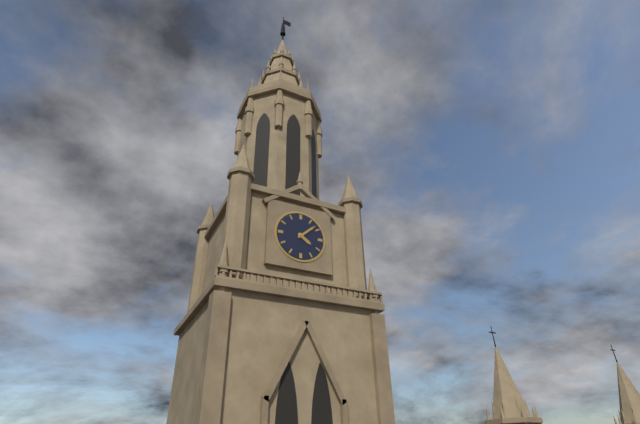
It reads 4h08
